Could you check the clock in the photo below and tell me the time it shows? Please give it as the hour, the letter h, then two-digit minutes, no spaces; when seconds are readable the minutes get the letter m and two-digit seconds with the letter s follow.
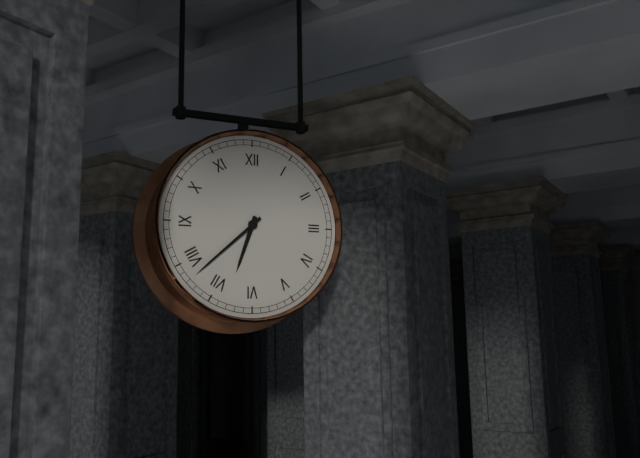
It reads 6h38
